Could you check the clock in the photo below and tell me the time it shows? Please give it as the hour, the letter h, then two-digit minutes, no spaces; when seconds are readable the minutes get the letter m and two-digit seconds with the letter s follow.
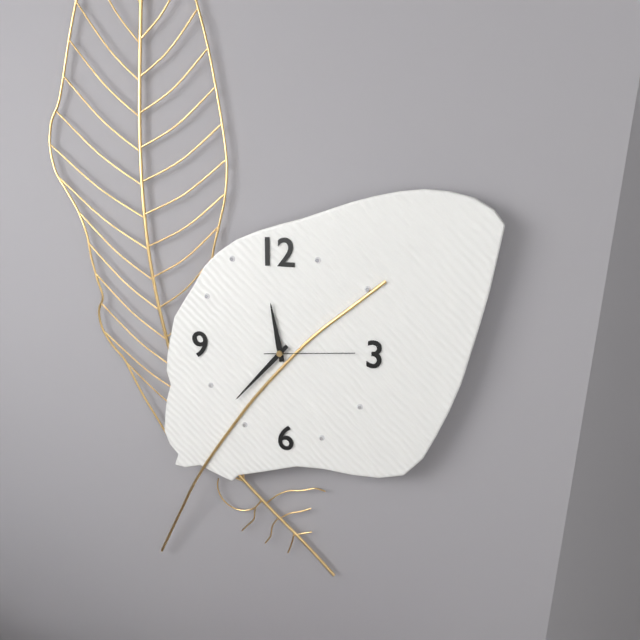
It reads 11h37m14s
